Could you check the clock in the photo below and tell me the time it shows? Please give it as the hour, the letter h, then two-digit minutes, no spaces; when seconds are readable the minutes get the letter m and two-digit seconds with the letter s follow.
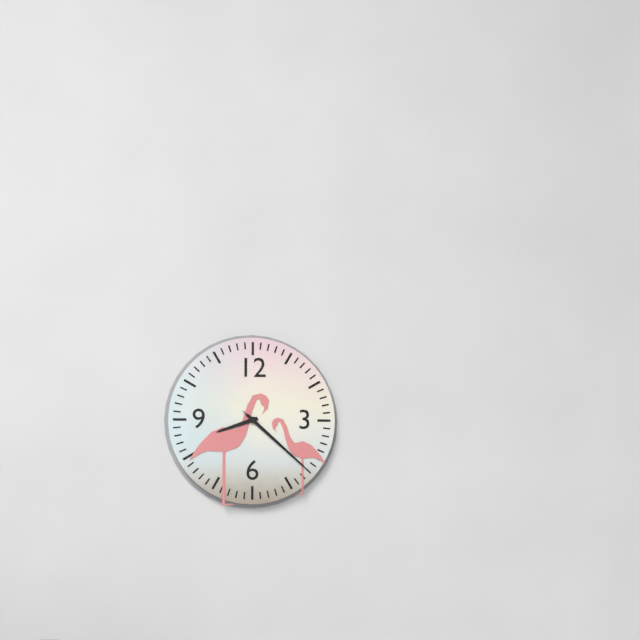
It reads 8h22m22s
